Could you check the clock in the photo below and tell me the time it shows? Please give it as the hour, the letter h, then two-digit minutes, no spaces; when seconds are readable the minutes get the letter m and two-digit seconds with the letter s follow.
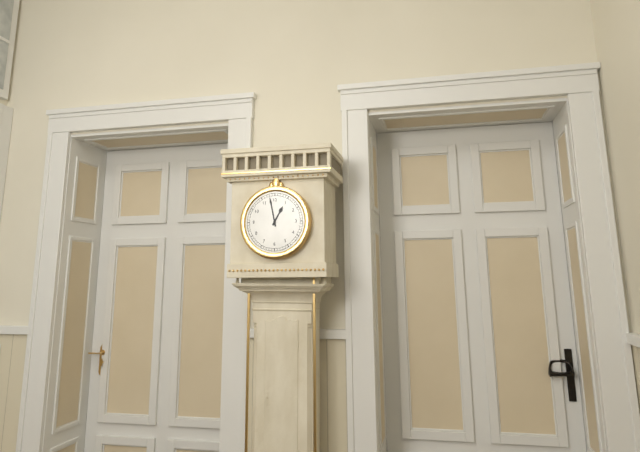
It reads 12h58
